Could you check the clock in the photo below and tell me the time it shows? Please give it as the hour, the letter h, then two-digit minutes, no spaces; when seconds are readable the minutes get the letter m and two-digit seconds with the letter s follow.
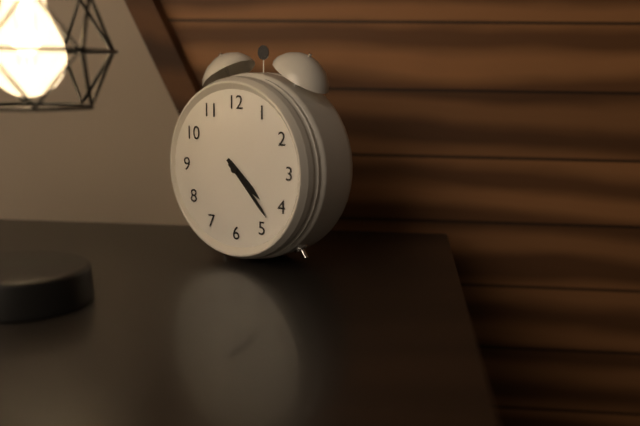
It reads 4h23
